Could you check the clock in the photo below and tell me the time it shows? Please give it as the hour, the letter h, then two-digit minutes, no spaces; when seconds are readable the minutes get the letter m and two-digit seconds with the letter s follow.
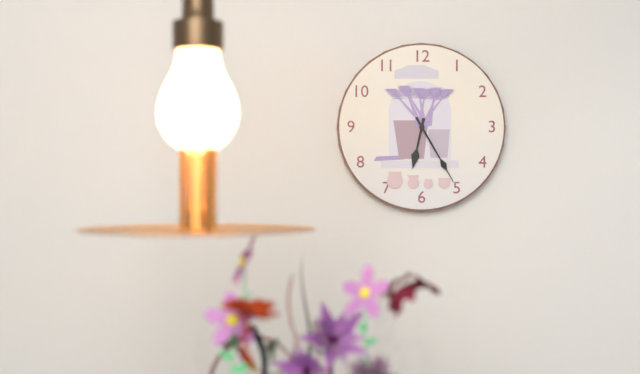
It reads 6h25
